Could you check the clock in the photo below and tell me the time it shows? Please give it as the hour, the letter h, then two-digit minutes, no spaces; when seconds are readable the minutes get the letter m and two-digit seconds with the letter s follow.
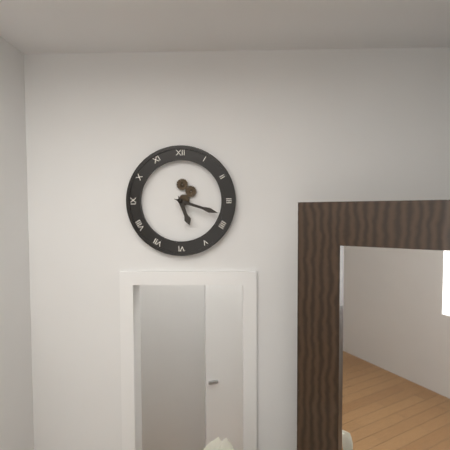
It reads 5h18
